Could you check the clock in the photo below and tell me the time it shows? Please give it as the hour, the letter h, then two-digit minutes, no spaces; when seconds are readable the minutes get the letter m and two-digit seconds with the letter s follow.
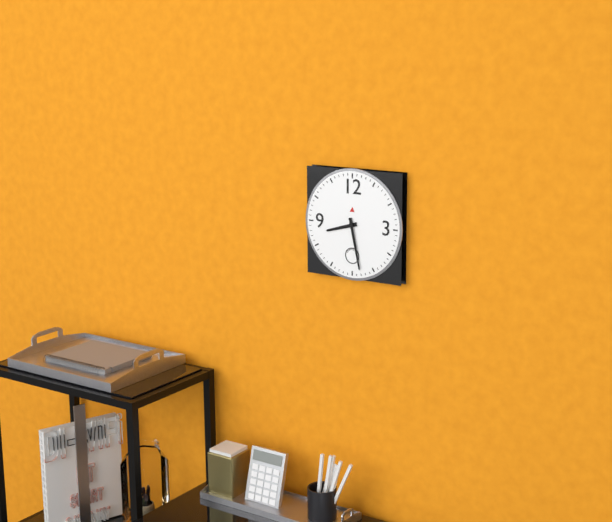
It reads 8h28
